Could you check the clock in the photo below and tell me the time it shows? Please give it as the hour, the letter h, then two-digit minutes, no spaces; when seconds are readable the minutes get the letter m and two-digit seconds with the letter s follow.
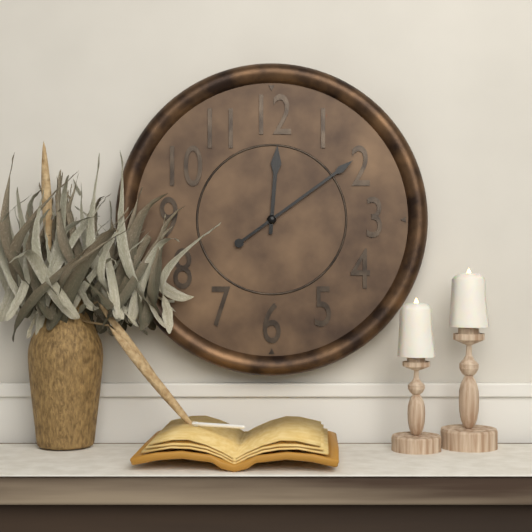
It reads 12h09
